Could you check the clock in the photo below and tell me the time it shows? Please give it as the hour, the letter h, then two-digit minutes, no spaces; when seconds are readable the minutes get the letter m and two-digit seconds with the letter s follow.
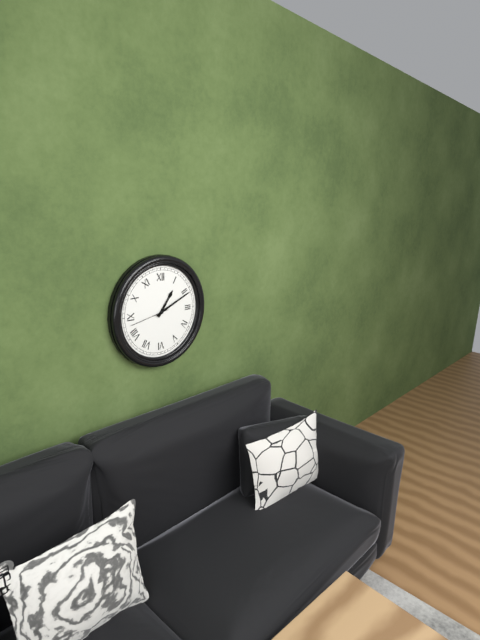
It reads 1h11
